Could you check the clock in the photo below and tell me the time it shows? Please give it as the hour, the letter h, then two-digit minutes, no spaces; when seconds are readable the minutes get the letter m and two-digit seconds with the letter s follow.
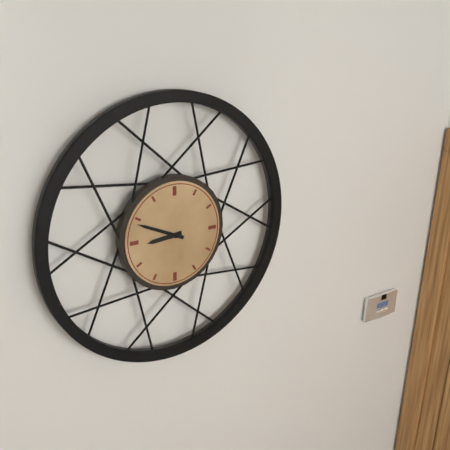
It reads 8h49
